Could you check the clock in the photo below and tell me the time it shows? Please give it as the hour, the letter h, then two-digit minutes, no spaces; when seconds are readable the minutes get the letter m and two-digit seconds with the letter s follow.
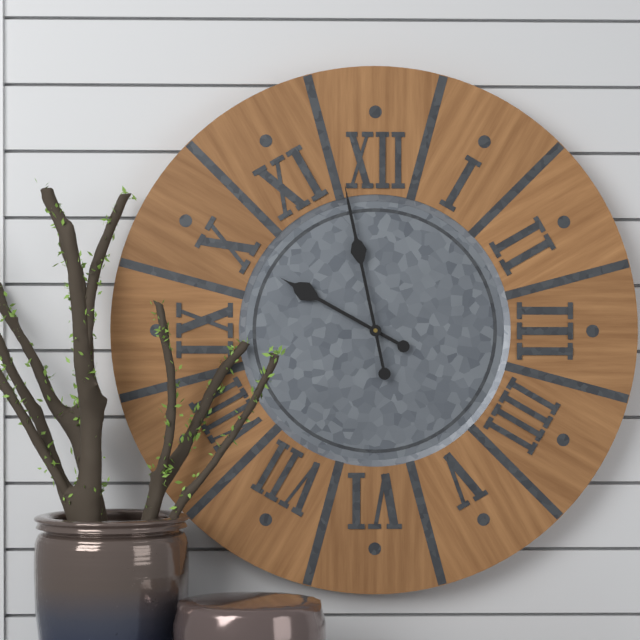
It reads 9h58
